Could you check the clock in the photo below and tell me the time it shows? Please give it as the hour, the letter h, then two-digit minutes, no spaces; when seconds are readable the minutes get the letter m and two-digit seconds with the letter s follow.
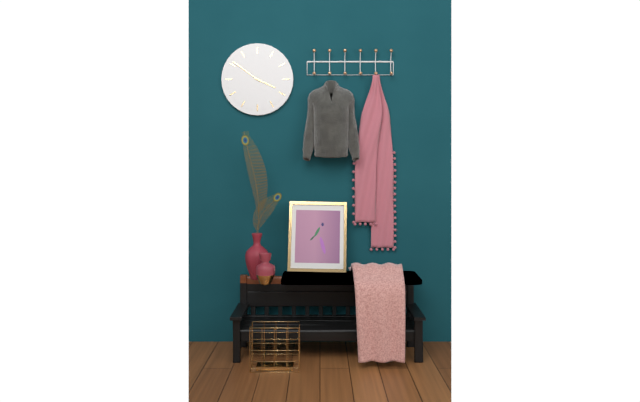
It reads 3h51
